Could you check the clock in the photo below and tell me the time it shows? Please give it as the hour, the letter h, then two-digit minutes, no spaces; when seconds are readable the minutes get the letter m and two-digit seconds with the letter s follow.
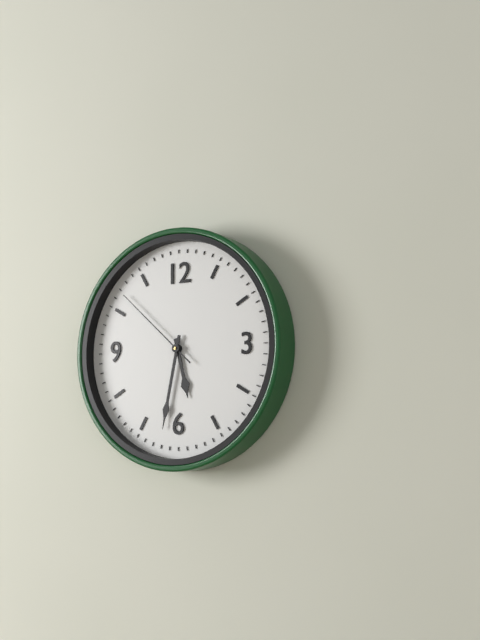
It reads 5h32m52s
